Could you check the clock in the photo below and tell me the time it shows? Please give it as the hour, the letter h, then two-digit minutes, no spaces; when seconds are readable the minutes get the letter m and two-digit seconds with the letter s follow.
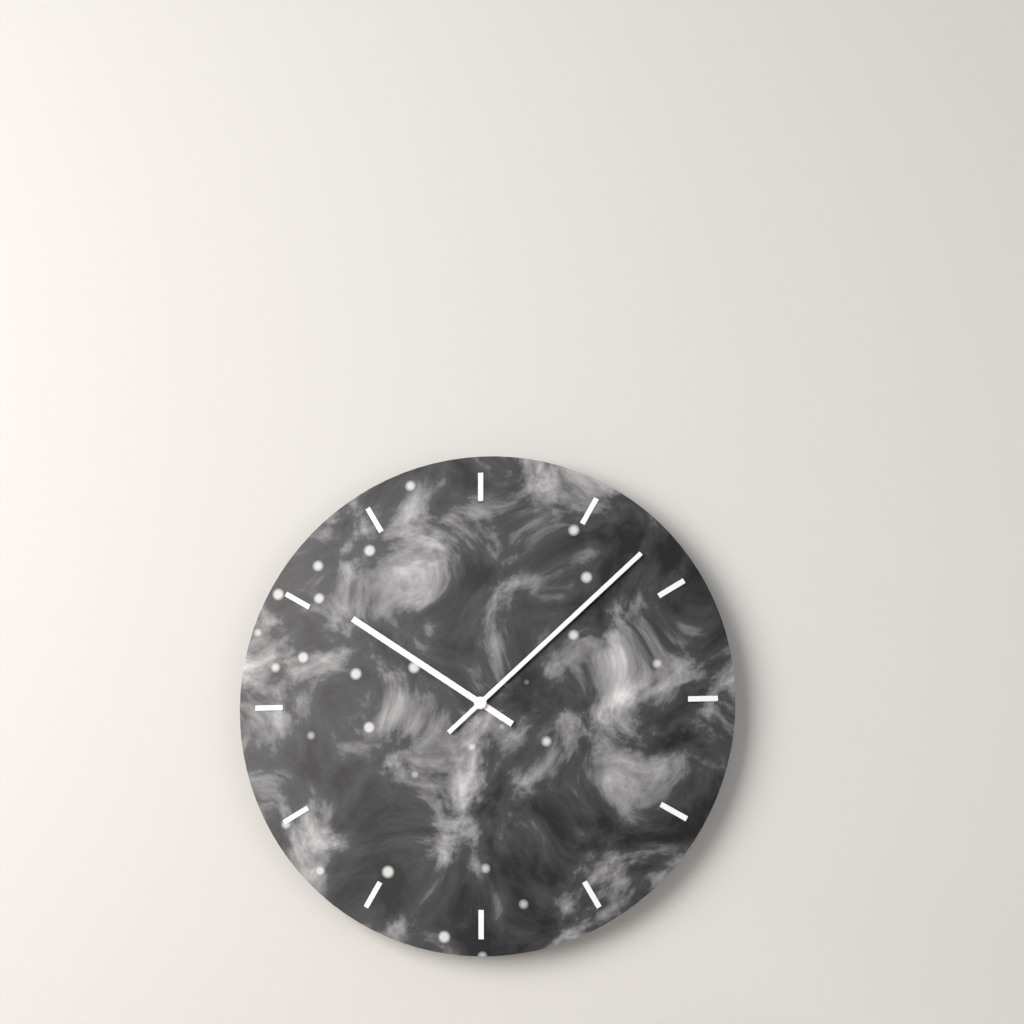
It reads 10h08
